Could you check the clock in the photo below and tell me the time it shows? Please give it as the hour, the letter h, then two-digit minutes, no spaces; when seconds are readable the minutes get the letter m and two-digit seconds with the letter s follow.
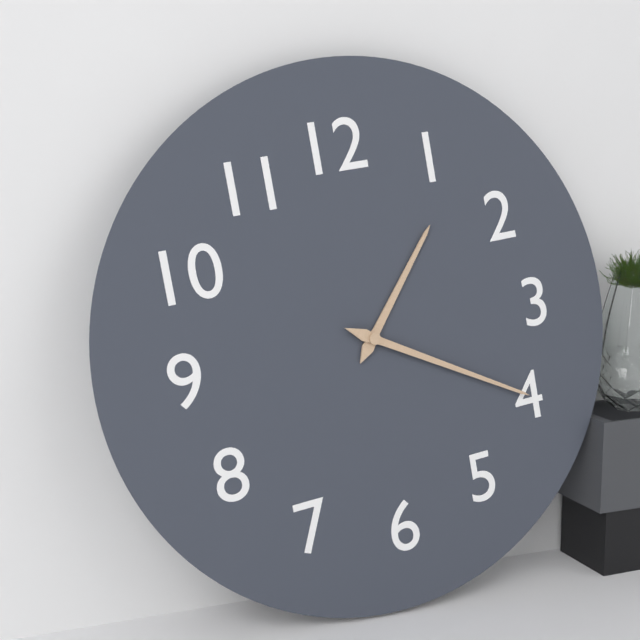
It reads 1h20
